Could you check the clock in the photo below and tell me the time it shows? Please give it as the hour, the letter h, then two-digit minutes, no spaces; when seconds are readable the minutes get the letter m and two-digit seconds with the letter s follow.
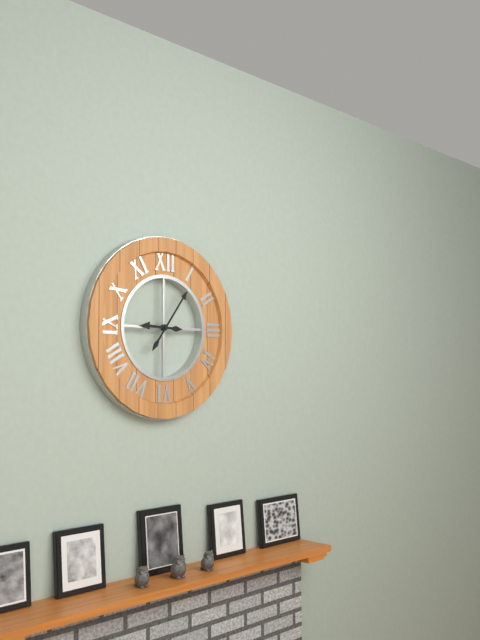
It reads 9h06
